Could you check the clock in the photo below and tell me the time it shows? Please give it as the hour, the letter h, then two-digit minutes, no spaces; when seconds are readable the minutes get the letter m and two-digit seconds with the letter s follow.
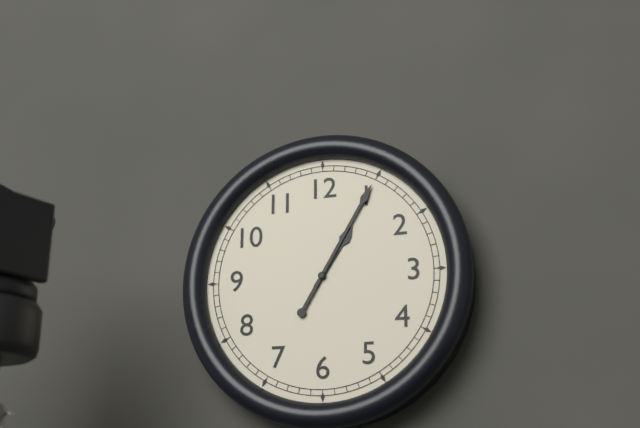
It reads 1h05
